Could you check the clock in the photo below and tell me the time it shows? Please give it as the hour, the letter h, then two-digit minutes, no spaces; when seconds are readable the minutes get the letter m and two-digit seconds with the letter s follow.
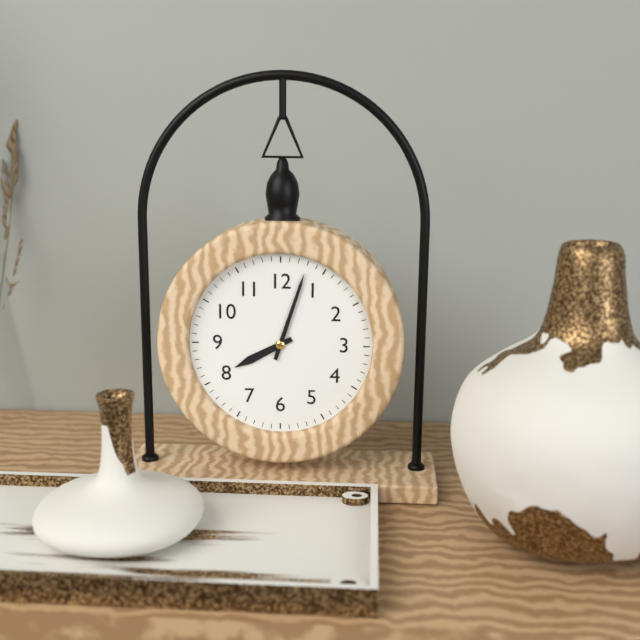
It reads 8h03
